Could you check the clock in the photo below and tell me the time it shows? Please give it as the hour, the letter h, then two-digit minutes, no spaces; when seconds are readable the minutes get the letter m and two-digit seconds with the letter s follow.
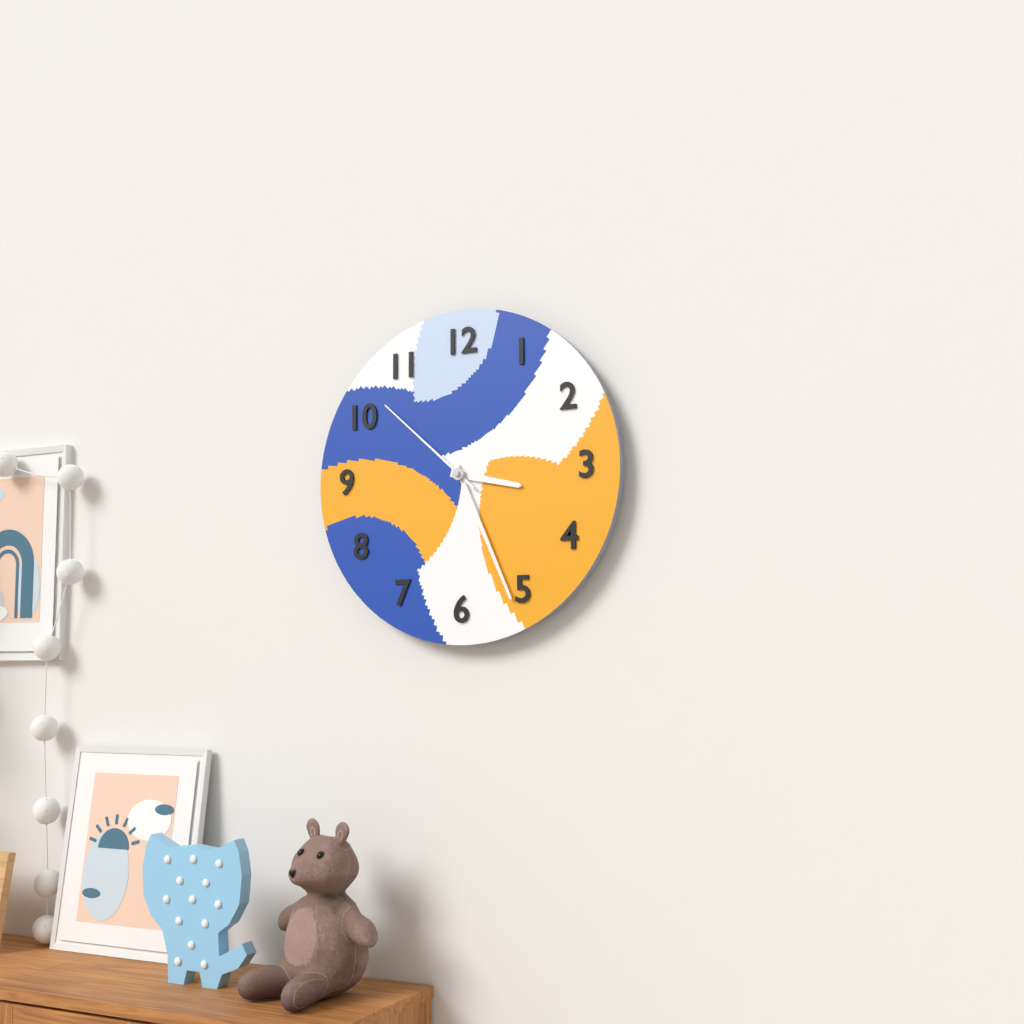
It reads 3h26m52s
